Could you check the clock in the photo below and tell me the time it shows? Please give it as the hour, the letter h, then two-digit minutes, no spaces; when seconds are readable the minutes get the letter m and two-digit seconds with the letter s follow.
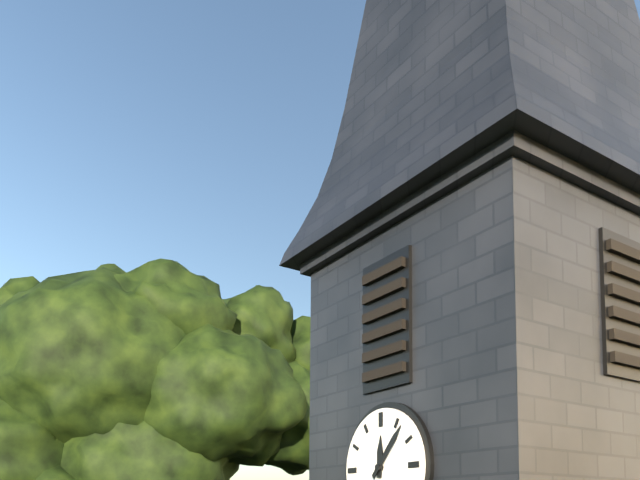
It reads 12h07
